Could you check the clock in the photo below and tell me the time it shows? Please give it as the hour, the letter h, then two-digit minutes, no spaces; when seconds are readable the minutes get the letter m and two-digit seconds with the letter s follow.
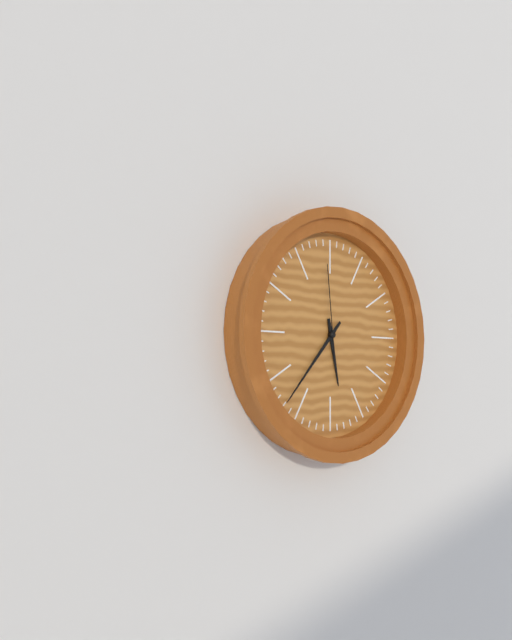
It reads 5h37m59s
